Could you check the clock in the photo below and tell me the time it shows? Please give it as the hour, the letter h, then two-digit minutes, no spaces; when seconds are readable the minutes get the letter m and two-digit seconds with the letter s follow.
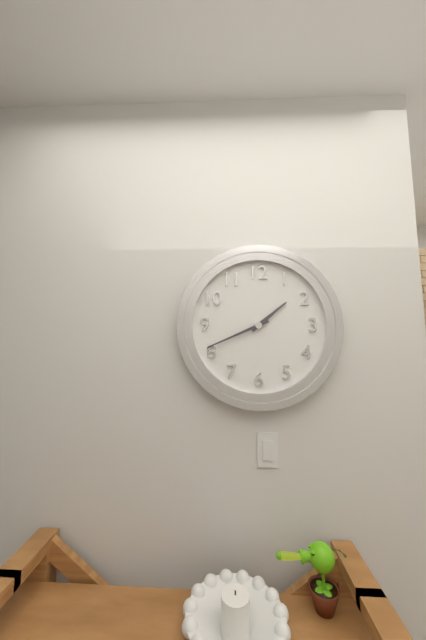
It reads 1h41
